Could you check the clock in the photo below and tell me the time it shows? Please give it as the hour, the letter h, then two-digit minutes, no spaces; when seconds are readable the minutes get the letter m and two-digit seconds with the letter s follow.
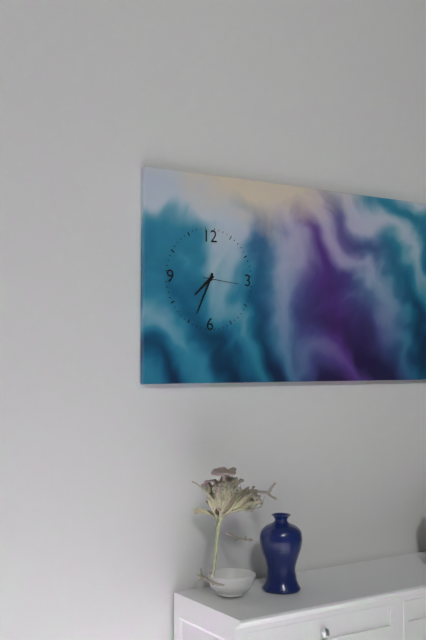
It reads 7h34
